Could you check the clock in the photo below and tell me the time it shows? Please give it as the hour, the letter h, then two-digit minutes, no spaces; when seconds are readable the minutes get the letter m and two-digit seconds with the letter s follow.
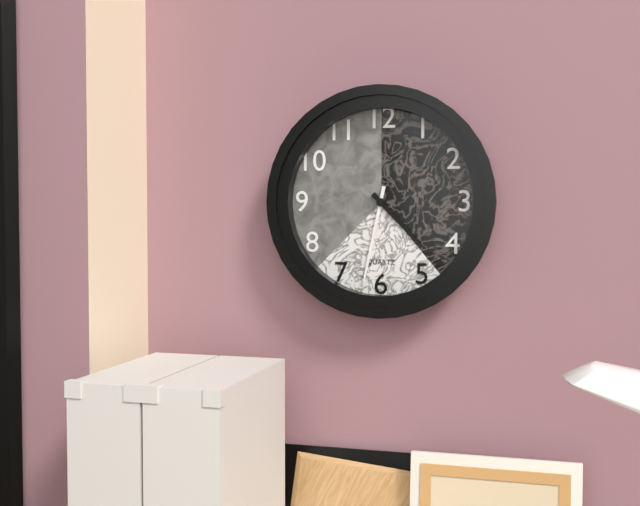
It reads 4h32
